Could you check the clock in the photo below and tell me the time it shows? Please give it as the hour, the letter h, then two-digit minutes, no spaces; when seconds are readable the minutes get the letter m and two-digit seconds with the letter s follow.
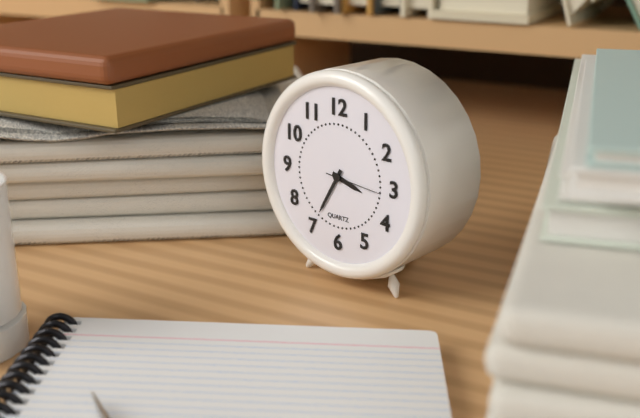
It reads 3h35m16s
